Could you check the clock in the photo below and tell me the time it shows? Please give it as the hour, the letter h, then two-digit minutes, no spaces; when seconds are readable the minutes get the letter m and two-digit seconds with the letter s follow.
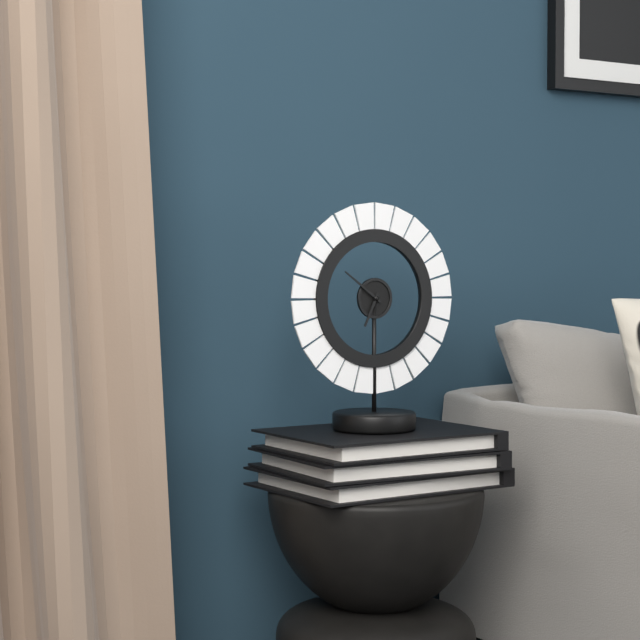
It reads 6h51
